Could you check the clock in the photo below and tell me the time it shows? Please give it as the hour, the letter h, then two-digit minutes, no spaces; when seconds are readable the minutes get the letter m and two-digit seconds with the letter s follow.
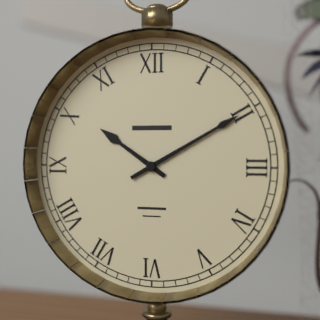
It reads 10h10
